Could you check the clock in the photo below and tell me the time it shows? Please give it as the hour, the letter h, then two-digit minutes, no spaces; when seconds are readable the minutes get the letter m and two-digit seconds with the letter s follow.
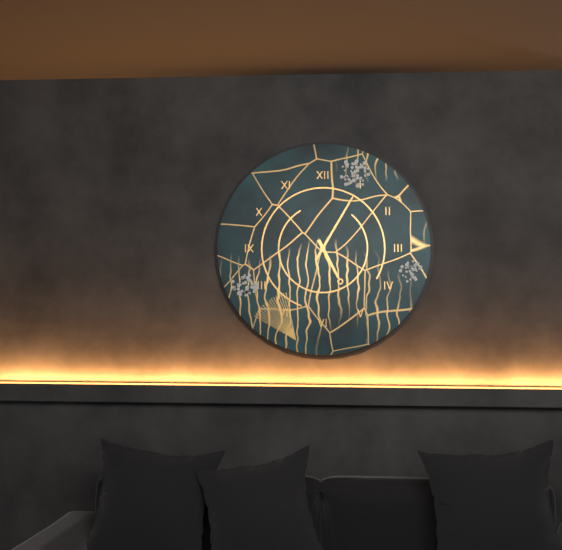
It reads 5h05
